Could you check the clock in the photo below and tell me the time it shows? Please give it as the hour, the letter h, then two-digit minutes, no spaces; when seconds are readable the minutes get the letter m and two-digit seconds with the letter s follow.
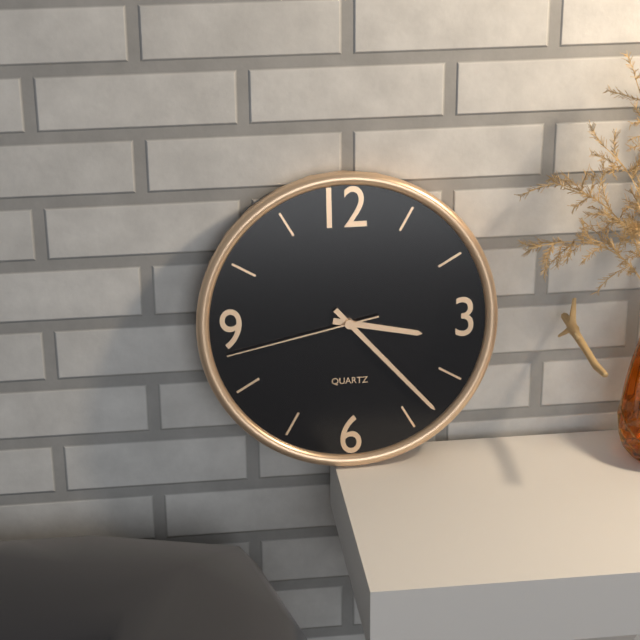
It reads 3h23m43s
